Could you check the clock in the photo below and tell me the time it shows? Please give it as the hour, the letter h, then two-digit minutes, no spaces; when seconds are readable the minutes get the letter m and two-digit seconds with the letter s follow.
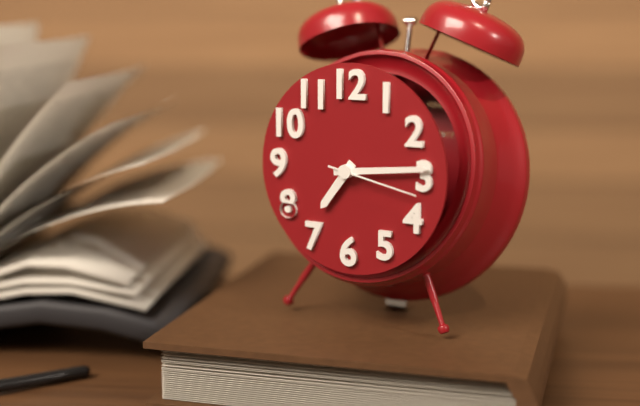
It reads 7h14m17s
